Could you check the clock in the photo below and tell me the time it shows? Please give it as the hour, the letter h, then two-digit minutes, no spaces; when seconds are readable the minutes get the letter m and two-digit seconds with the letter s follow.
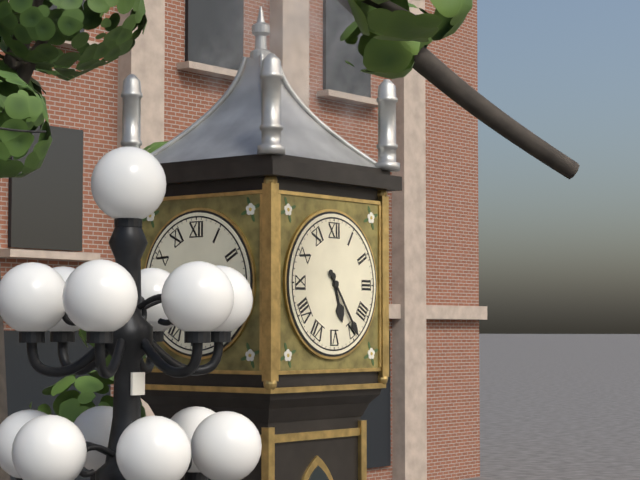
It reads 5h24
